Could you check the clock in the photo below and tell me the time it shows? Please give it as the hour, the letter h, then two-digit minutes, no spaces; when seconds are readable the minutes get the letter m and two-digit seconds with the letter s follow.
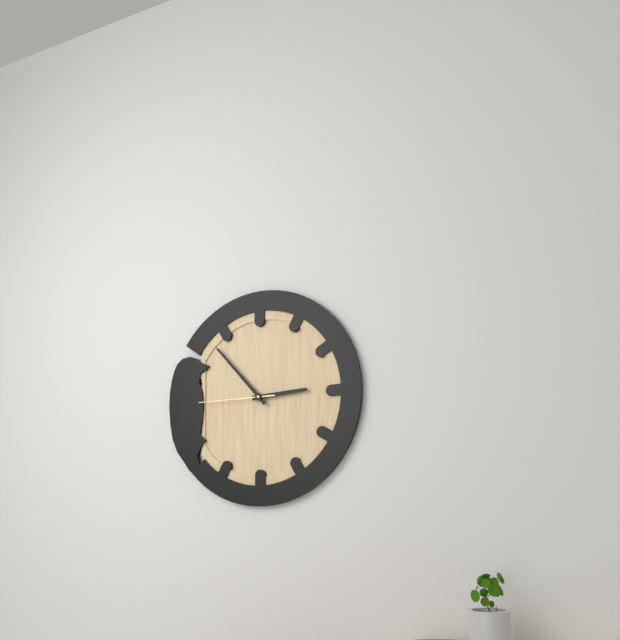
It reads 2h53m45s
